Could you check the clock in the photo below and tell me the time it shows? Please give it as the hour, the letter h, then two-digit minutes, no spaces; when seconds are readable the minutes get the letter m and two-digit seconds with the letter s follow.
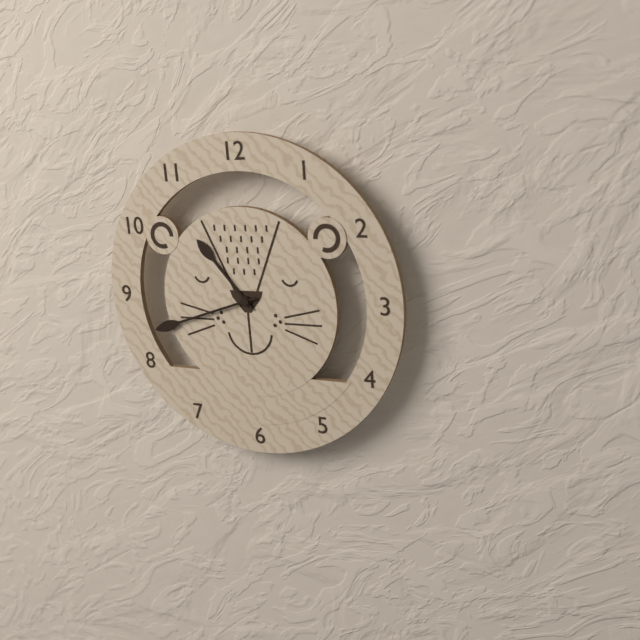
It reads 10h42
